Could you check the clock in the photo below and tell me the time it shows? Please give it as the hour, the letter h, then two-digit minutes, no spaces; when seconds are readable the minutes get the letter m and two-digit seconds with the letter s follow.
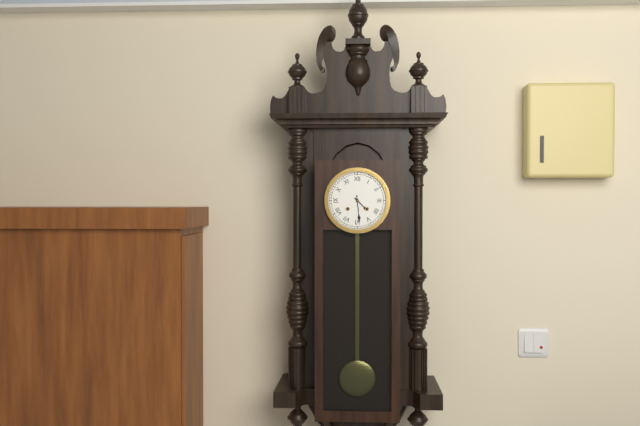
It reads 4h29
